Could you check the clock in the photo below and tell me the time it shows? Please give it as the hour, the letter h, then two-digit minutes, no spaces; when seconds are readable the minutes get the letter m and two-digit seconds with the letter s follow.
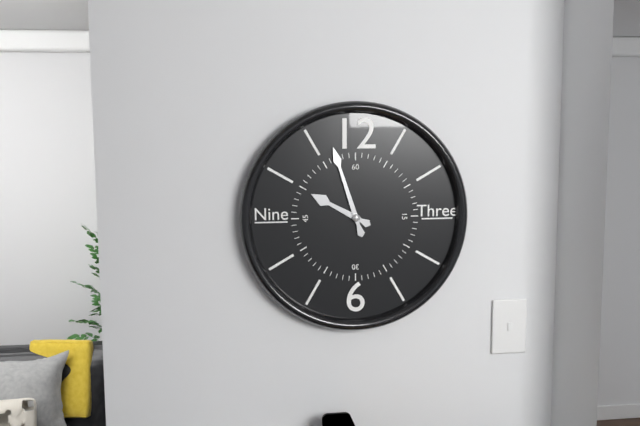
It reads 9h57
